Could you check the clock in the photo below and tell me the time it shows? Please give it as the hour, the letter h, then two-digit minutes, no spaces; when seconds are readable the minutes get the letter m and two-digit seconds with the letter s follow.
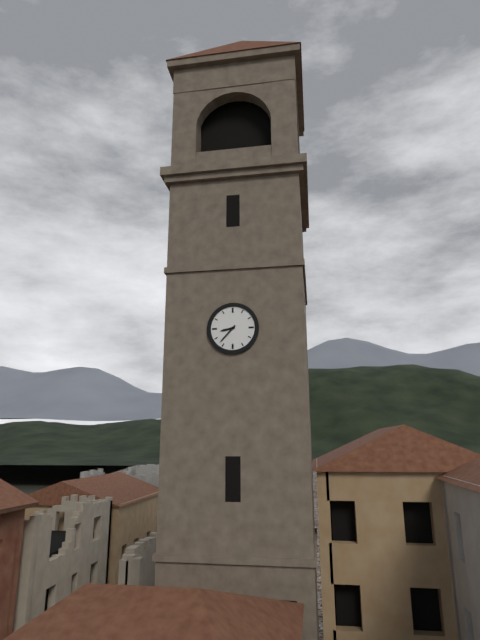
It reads 8h37
